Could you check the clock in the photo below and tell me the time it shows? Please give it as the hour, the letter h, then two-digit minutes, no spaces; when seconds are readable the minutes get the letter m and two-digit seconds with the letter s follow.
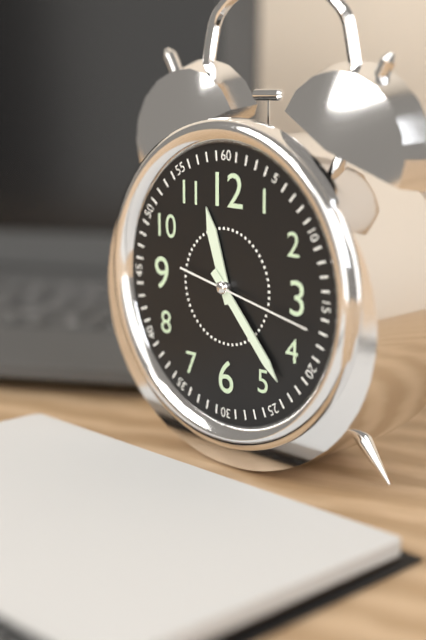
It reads 11h23m17s
